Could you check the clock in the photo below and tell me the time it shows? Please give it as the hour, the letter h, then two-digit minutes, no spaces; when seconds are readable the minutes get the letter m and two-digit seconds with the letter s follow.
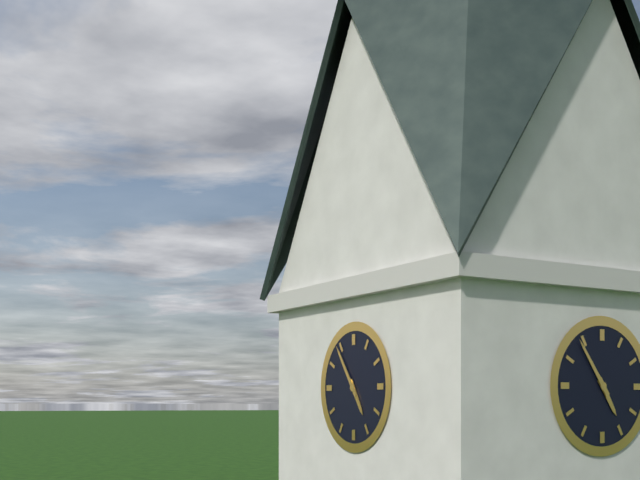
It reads 4h54
